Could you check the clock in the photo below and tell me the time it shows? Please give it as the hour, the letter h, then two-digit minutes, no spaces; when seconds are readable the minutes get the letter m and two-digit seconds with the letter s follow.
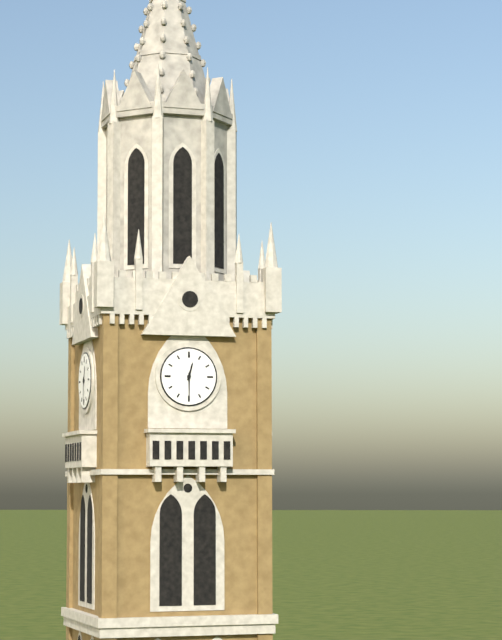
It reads 12h30
